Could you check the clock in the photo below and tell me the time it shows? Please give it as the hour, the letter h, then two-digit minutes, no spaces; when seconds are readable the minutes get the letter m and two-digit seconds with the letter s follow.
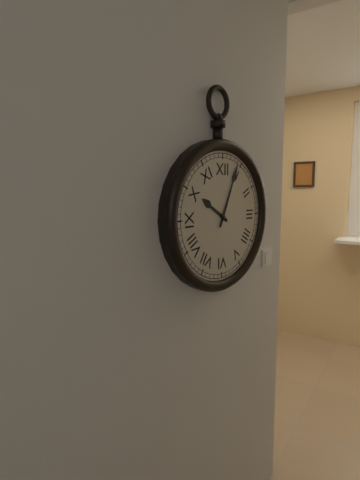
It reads 10h04
